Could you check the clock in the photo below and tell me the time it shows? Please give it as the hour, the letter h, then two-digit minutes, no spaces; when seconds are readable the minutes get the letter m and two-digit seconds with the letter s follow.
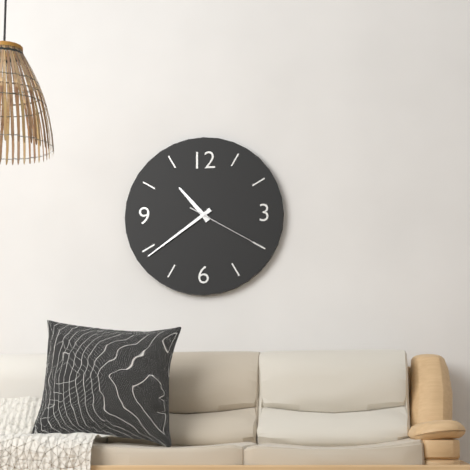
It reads 10h39m20s
